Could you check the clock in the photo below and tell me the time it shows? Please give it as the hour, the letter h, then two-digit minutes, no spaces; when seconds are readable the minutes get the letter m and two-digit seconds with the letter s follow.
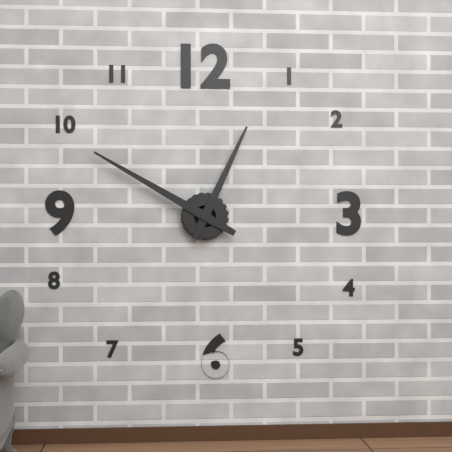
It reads 12h50
